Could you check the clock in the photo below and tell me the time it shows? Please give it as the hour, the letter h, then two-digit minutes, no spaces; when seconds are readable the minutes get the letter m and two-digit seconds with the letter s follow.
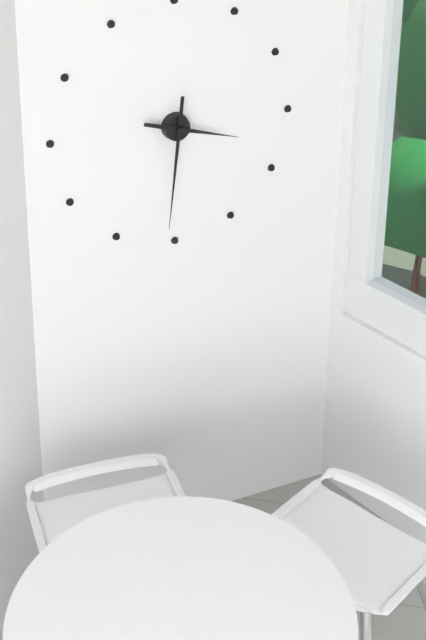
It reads 3h31
